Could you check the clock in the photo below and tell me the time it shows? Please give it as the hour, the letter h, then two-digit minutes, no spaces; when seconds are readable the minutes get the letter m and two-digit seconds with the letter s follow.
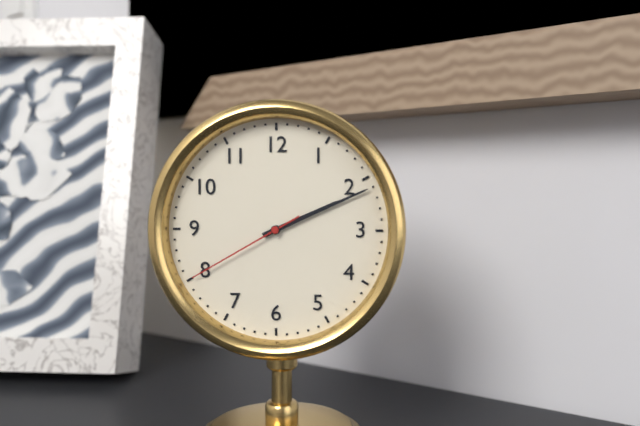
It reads 2h11m40s
